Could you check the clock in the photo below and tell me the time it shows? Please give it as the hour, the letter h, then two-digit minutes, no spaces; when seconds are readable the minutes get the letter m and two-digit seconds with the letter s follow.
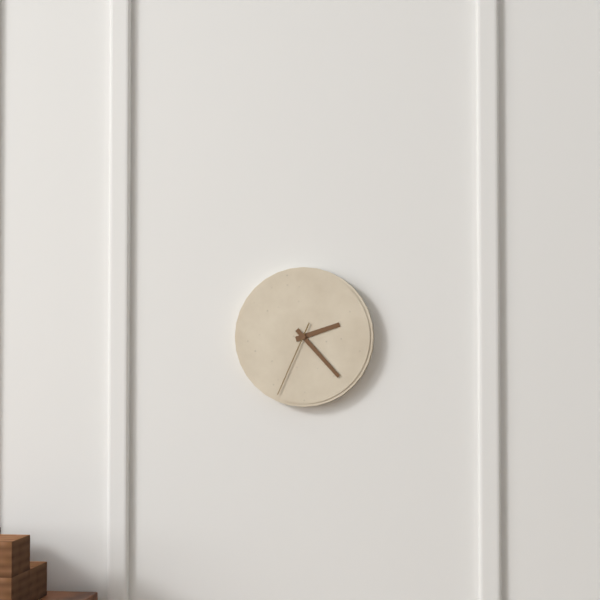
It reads 2h23m34s
